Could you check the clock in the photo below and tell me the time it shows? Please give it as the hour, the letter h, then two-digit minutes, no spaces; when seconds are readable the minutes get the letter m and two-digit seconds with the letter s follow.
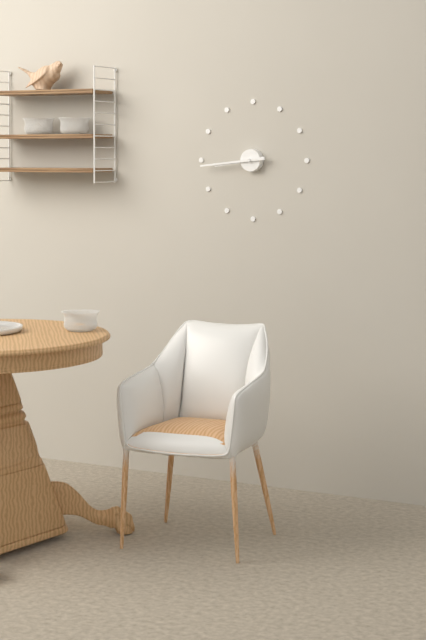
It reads 8h44
